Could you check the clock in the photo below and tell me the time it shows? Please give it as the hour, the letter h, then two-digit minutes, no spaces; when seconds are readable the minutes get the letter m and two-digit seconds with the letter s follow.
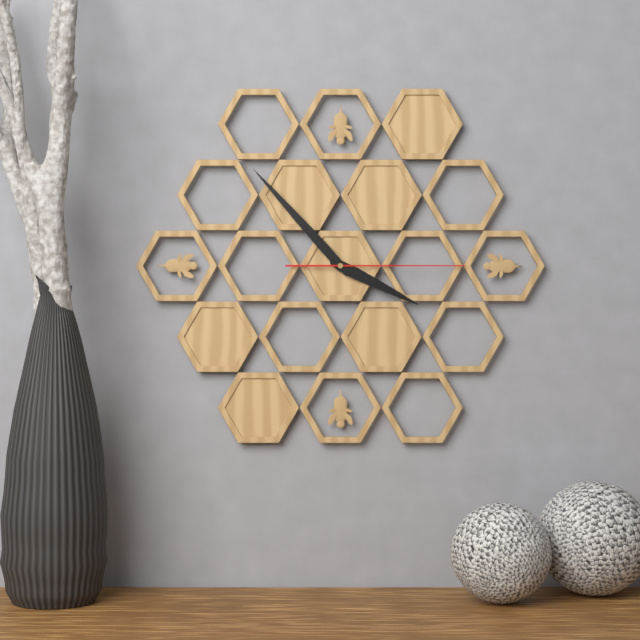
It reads 3h53m15s
